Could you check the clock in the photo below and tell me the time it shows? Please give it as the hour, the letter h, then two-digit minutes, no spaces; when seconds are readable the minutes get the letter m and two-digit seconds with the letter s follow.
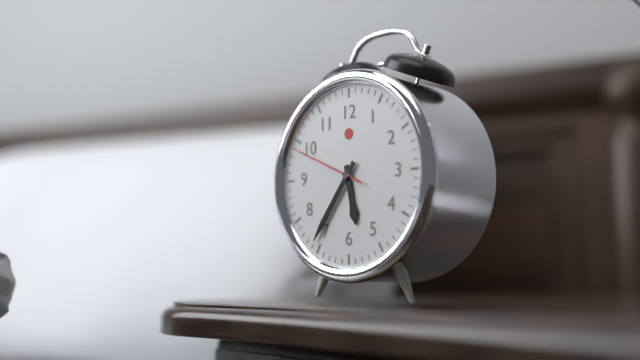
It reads 5h36m49s
